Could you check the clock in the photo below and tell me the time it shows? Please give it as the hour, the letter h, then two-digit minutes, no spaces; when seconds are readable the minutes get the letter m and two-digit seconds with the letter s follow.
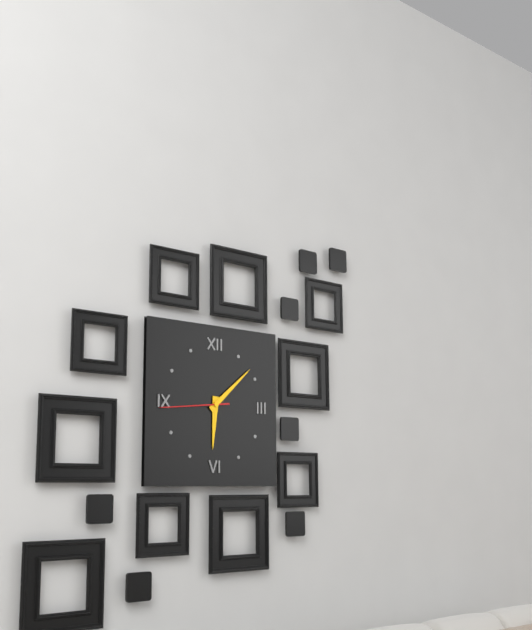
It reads 6h08m44s
